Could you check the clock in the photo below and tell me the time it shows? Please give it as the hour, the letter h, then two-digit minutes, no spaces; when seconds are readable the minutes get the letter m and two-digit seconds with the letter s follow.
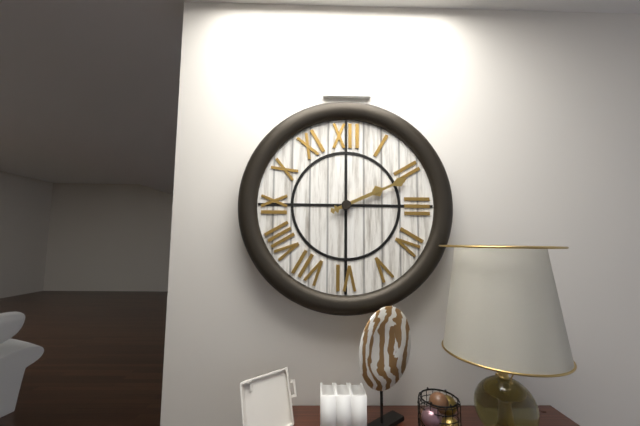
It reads 2h11
